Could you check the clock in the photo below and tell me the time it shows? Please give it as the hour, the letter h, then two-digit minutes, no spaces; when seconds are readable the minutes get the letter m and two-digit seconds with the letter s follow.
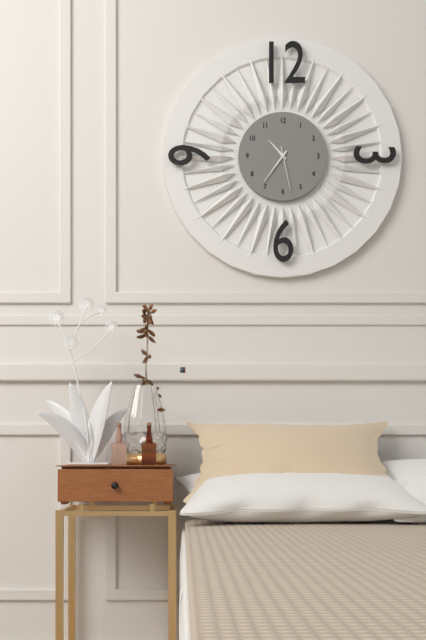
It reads 10h36
